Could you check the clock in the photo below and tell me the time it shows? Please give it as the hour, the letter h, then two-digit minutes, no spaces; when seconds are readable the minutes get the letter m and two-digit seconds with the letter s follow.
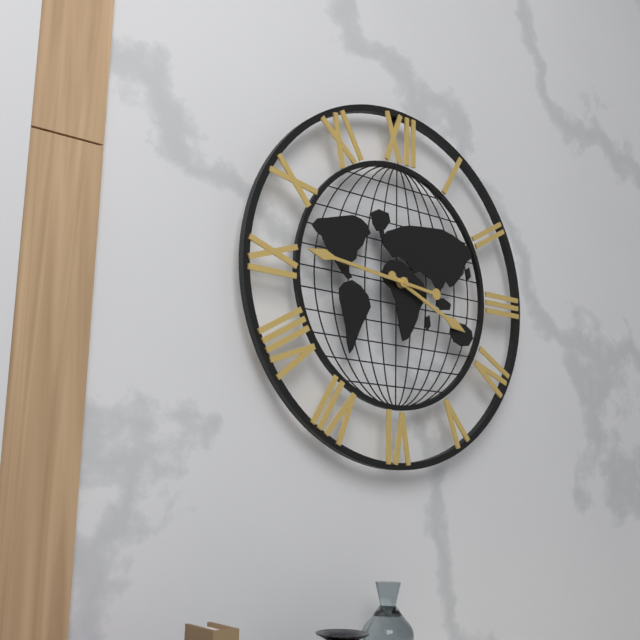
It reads 3h46
